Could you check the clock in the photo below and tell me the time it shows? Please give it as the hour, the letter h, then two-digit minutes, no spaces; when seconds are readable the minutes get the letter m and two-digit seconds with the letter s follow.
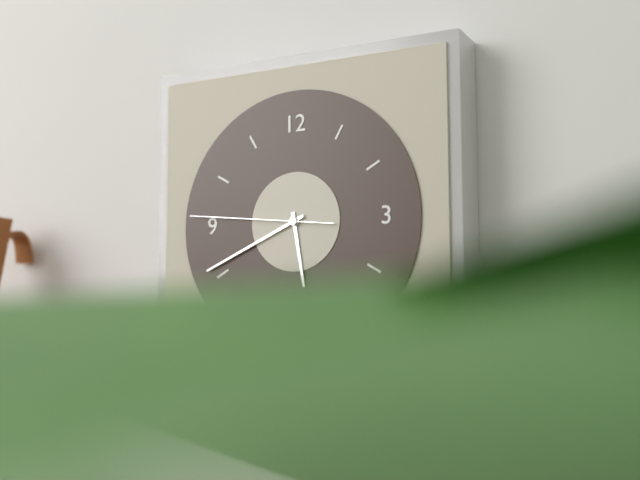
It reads 5h41m46s
